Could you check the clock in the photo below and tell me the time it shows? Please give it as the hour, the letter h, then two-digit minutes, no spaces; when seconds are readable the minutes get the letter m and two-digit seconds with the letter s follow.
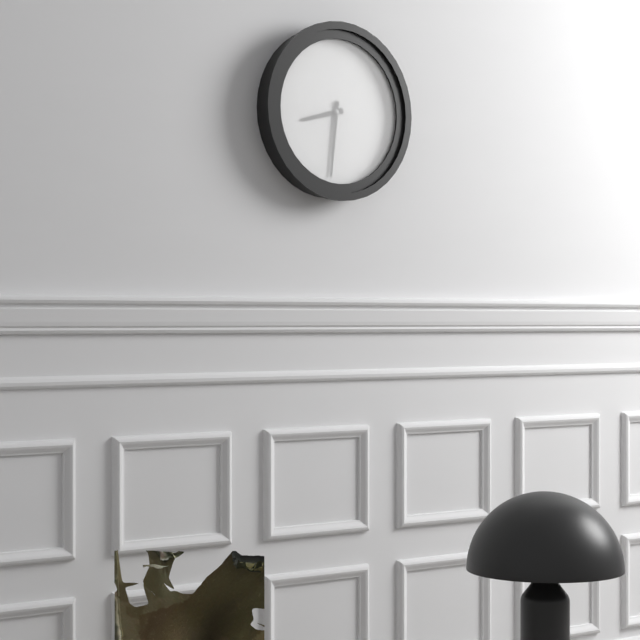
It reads 8h31
